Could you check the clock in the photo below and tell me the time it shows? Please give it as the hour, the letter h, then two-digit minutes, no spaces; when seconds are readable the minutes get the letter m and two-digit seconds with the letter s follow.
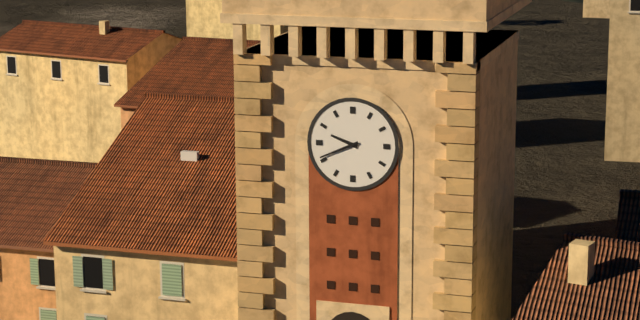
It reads 9h41
